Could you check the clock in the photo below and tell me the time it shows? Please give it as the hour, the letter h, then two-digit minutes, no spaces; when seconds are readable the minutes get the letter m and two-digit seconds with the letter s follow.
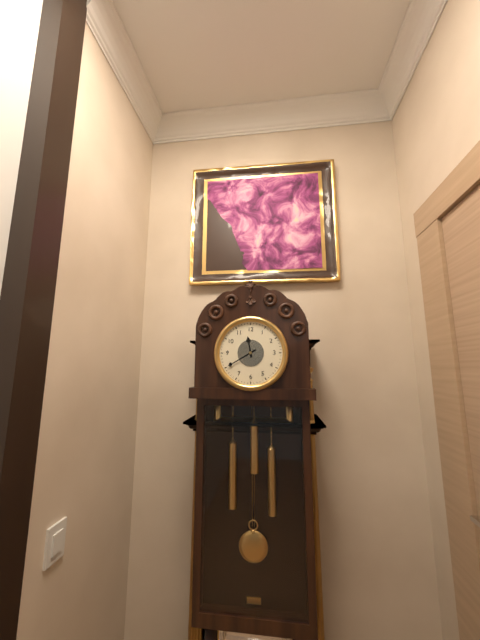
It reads 11h40
